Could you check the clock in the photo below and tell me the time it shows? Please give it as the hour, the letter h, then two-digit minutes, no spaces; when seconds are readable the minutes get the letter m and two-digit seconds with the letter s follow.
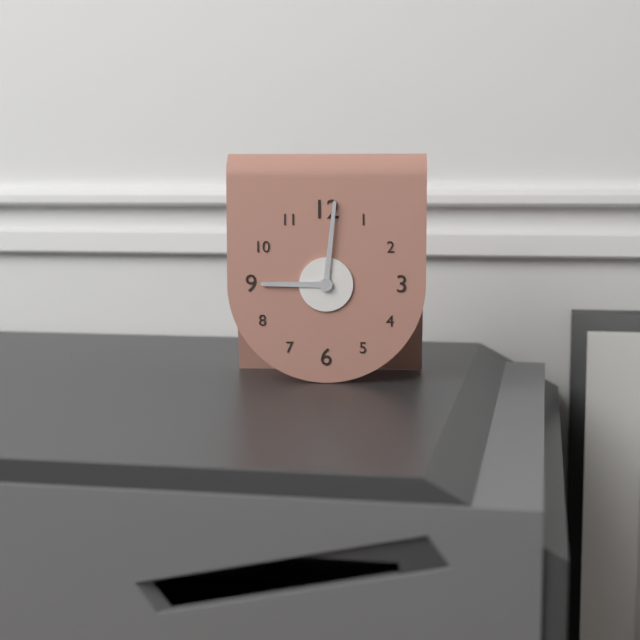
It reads 9h01
